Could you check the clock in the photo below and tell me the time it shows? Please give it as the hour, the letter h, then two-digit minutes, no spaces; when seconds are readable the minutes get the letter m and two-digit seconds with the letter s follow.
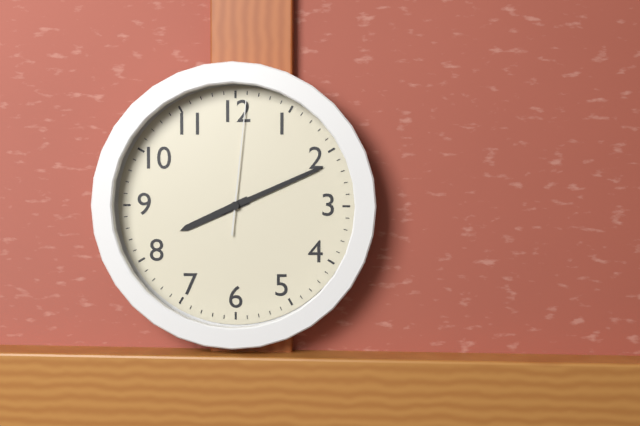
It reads 8h11m01s
